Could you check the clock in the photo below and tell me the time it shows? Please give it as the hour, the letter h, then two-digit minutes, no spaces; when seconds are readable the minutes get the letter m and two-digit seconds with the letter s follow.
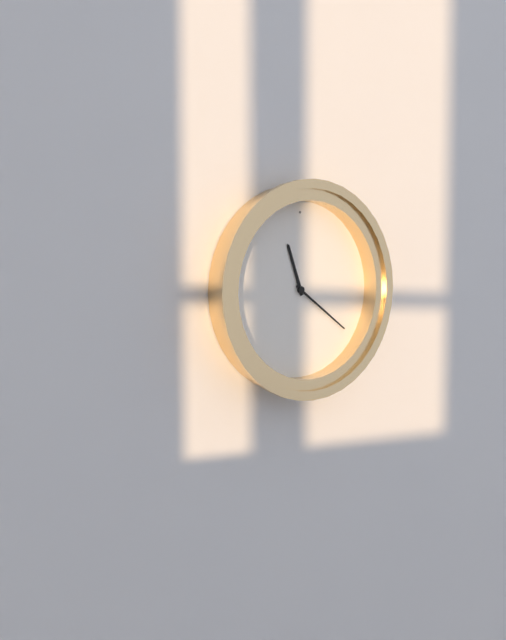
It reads 11h21
